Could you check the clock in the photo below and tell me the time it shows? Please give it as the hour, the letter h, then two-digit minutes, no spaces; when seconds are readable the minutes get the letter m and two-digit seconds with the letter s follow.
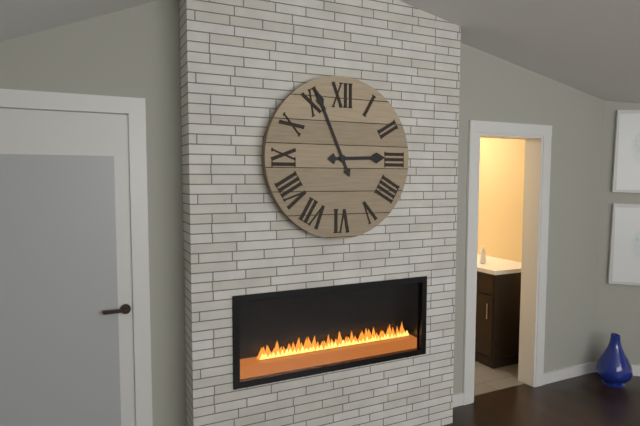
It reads 2h56
